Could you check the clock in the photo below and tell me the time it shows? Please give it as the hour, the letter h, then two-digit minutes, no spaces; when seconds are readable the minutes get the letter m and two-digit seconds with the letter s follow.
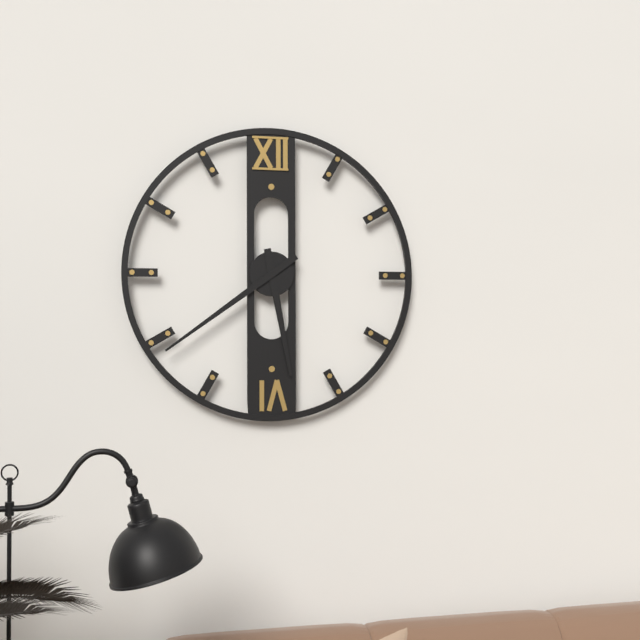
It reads 5h39
